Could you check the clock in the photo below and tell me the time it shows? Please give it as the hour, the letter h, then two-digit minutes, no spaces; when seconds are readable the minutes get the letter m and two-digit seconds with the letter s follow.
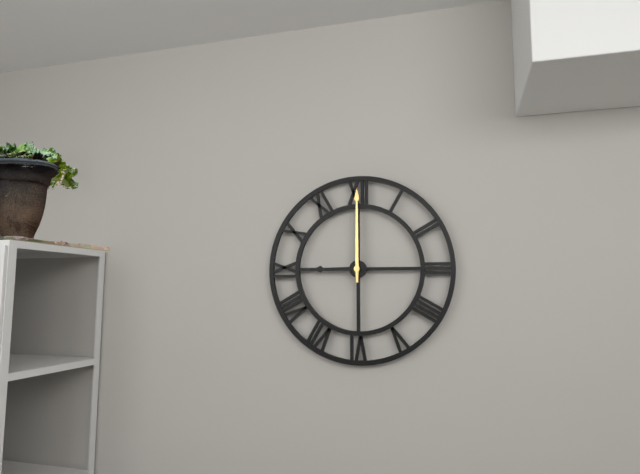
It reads 9h00
